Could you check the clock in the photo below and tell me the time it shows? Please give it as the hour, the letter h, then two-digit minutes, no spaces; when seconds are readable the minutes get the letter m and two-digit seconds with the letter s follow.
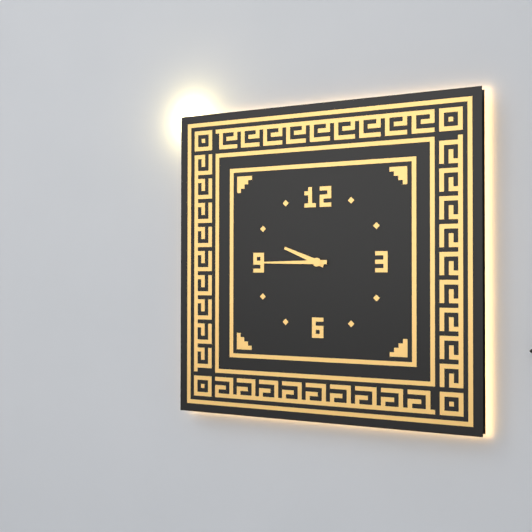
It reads 9h45
